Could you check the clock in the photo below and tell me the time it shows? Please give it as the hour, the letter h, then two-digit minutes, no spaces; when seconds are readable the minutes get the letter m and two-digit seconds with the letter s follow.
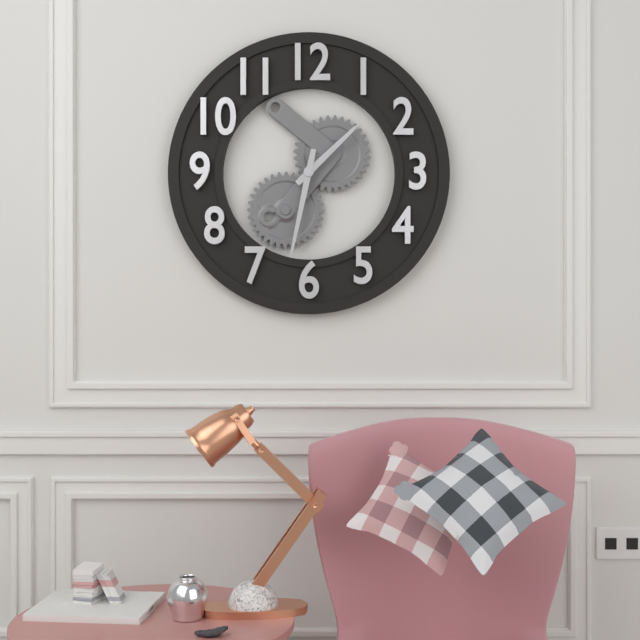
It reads 1h32
